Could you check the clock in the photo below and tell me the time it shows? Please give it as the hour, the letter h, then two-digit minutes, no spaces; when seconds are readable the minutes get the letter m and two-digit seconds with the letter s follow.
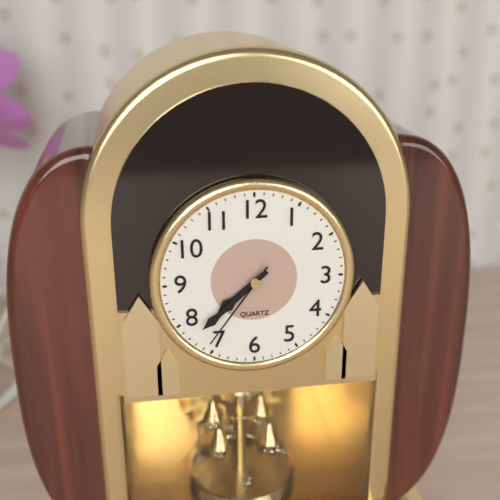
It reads 7h38m36s
